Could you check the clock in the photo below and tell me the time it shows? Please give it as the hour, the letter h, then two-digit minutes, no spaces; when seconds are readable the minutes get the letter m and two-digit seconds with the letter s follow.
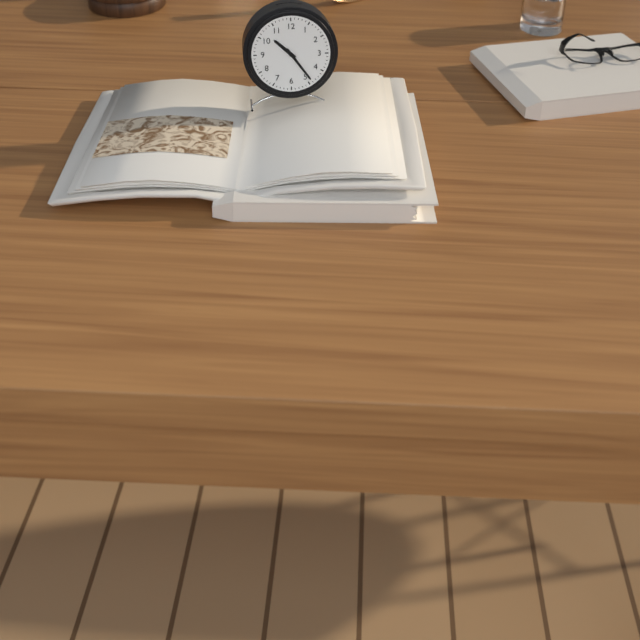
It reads 10h24
